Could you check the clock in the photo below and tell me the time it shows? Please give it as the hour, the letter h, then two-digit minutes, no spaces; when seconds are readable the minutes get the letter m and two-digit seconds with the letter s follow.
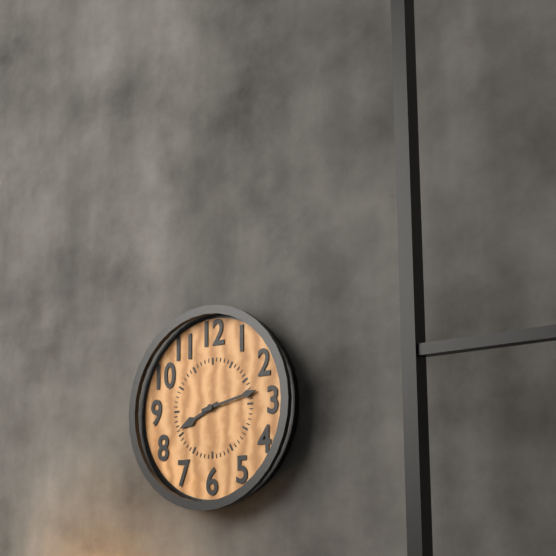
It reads 8h13
